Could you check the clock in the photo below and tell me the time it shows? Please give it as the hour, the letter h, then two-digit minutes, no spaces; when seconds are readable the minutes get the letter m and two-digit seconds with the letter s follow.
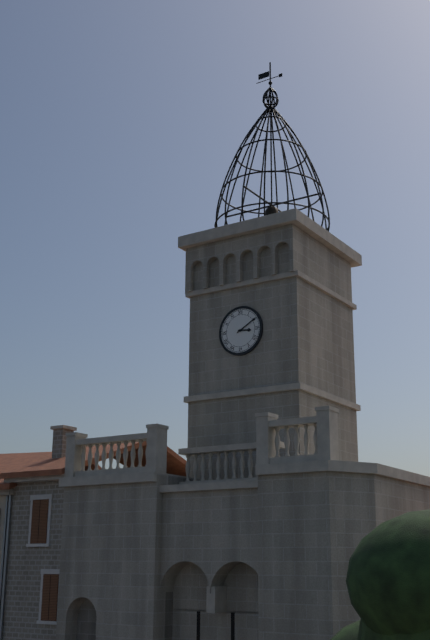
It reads 3h10
